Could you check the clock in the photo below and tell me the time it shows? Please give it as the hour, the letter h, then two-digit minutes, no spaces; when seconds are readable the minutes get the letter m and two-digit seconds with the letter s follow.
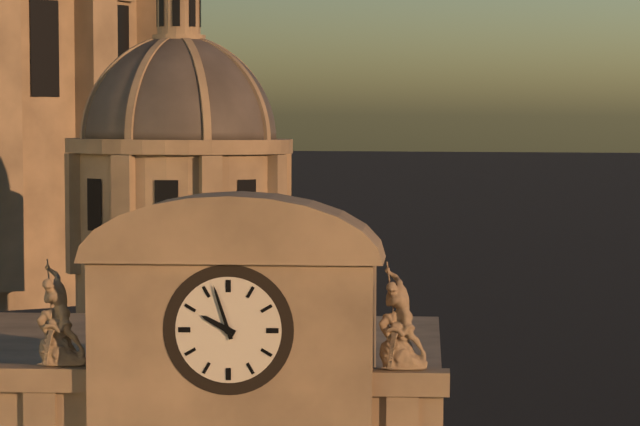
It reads 9h57
